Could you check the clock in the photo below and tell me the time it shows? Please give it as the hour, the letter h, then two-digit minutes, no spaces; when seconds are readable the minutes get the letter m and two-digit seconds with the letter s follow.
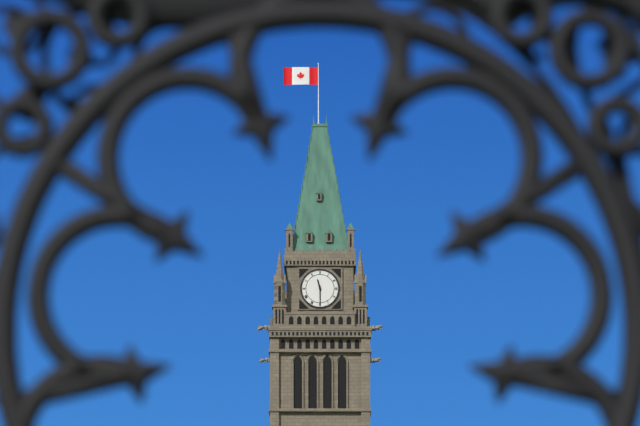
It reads 11h30
